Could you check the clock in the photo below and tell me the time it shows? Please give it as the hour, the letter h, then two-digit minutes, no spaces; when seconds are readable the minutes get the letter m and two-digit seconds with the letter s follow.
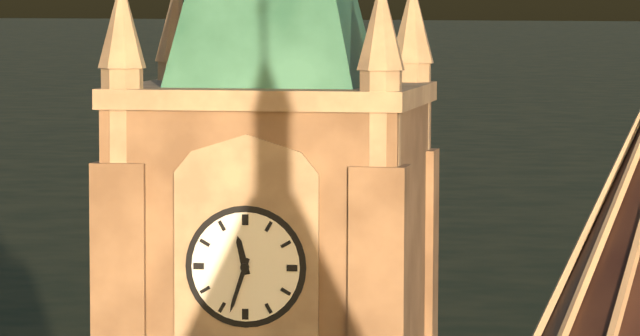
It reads 11h33
